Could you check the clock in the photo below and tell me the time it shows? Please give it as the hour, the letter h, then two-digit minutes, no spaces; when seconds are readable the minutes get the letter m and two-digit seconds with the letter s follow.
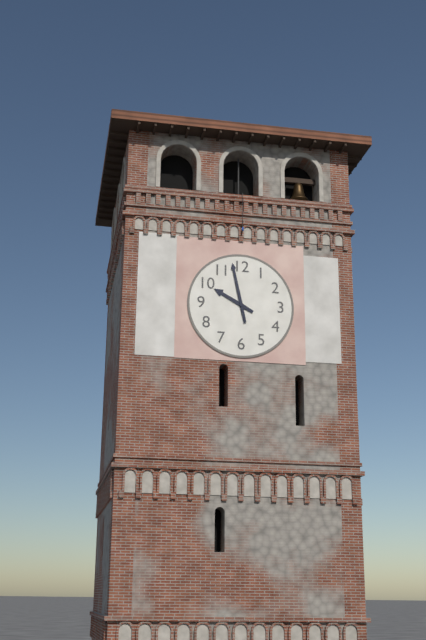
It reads 9h58
